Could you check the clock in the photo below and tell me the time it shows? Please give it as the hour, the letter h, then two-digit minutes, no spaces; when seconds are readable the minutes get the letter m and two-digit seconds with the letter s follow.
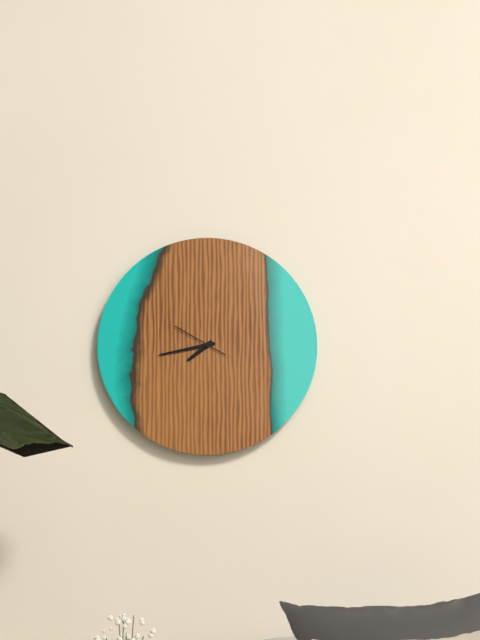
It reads 7h43
